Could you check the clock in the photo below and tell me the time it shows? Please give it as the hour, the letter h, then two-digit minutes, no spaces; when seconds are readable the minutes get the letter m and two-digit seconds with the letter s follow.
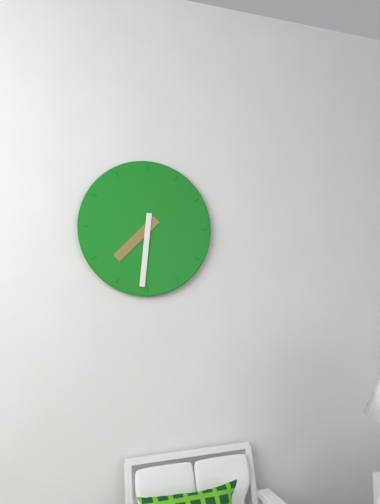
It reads 7h31
